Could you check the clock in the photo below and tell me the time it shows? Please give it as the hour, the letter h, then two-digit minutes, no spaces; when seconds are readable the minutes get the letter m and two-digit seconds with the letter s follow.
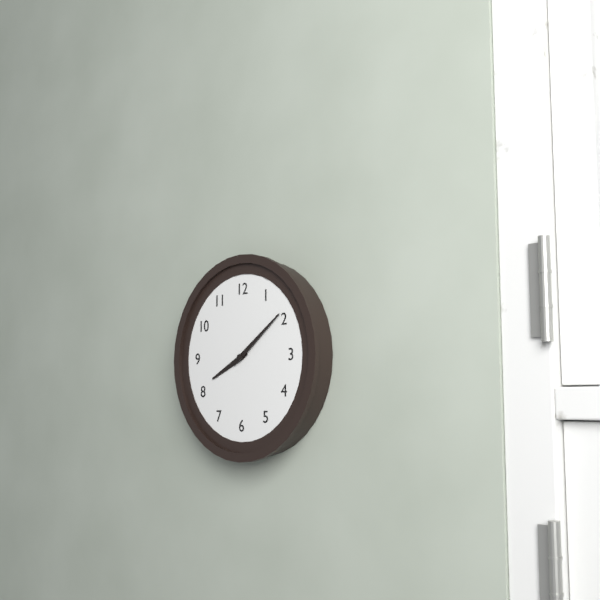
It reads 8h09
